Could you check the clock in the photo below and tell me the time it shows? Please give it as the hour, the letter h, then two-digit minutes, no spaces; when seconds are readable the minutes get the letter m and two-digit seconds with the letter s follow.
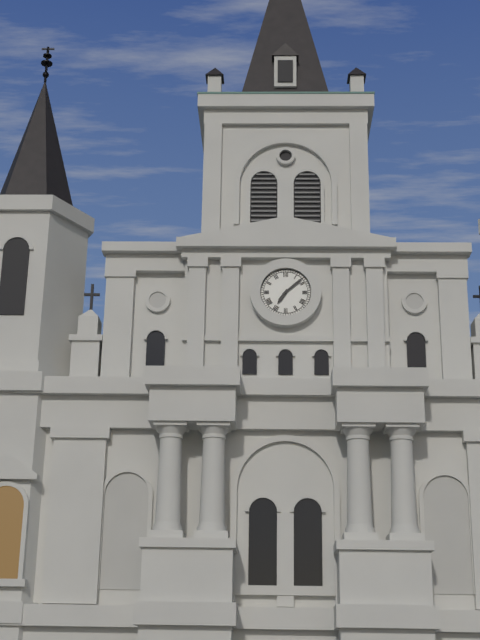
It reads 7h08
